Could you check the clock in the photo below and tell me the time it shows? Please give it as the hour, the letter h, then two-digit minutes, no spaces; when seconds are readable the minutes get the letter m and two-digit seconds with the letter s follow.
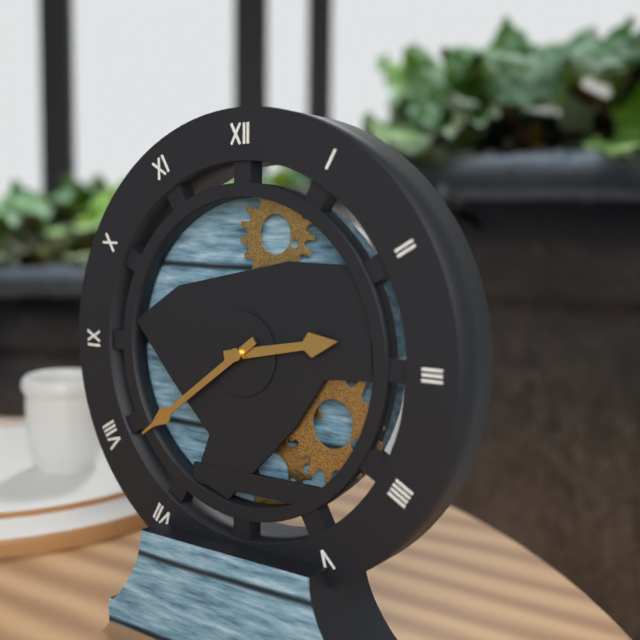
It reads 2h39
